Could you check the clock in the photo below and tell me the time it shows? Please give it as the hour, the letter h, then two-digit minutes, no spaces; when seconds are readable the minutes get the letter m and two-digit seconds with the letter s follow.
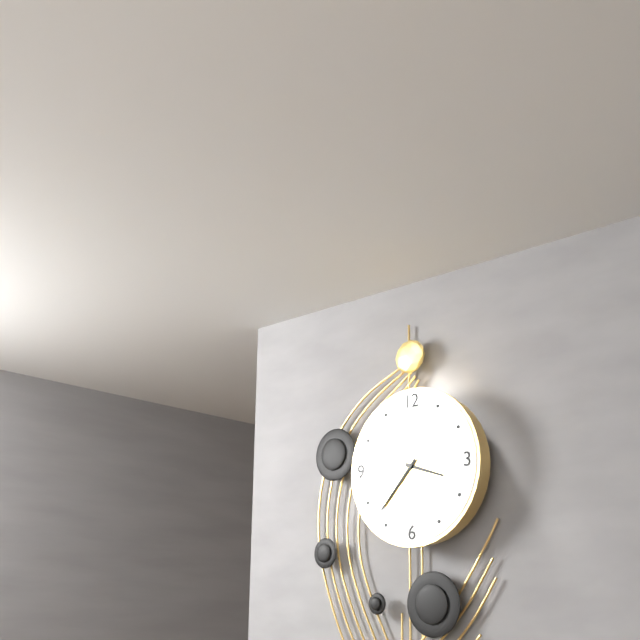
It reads 3h37m37s
